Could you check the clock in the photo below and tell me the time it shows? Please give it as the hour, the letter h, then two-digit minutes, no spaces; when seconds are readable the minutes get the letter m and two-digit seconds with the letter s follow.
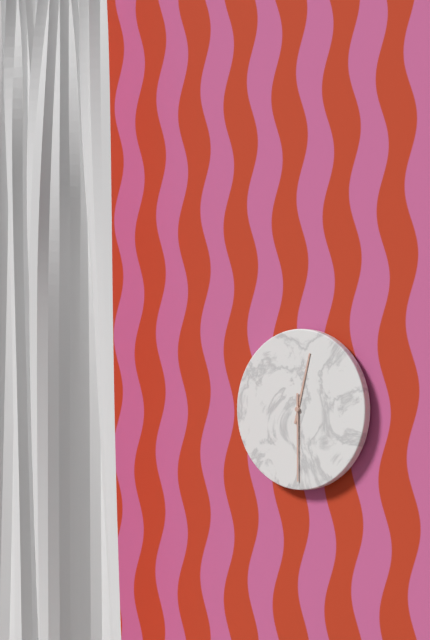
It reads 12h30
